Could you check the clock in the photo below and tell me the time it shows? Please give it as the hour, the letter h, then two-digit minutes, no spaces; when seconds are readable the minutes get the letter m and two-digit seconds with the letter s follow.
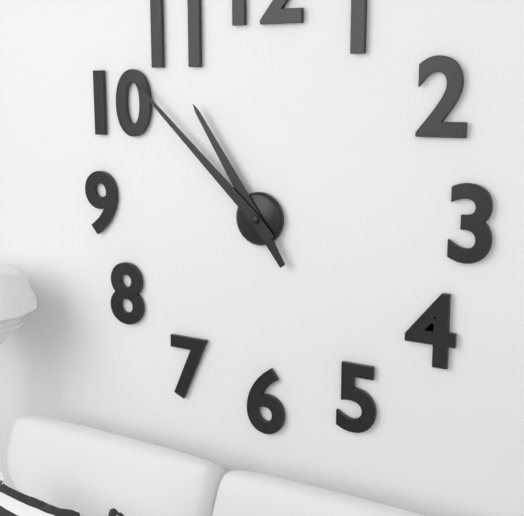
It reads 10h52
